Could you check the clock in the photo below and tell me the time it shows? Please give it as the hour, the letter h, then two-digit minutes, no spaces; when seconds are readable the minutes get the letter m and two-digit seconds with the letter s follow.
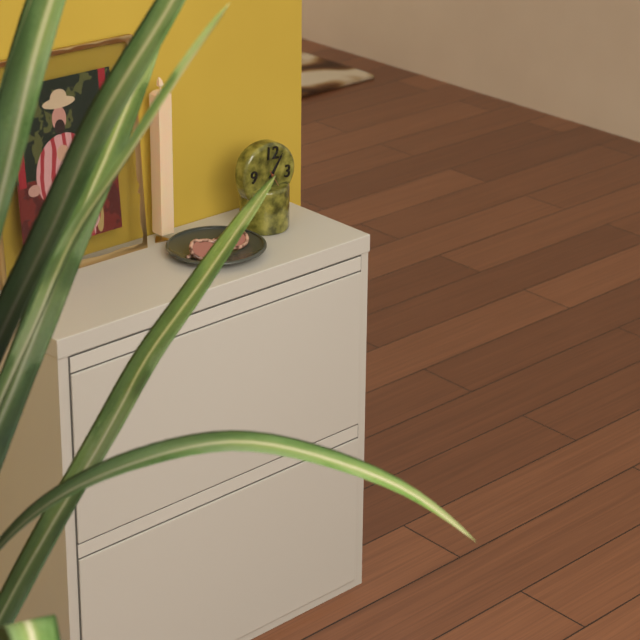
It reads 1h05
